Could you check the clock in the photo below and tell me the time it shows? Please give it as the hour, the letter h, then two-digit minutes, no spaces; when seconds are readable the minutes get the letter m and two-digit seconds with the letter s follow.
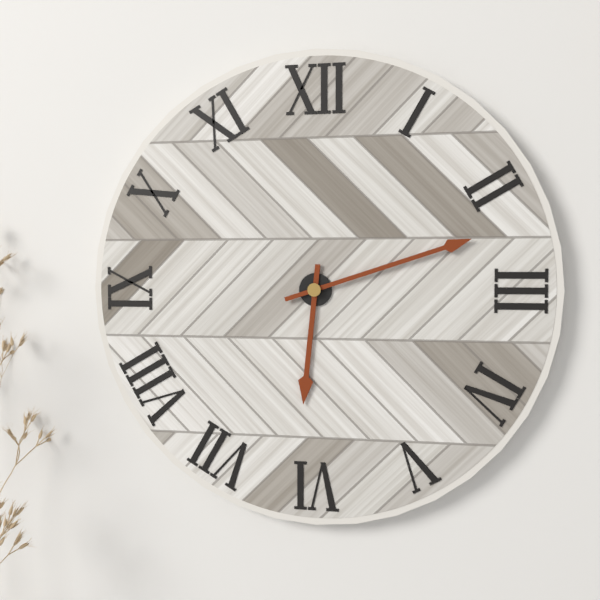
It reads 6h12
